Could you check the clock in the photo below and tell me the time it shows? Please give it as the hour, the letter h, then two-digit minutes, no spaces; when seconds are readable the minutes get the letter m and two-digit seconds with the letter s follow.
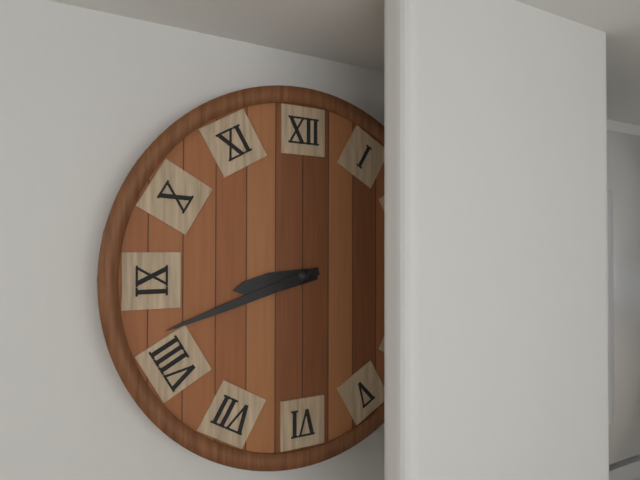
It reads 8h42
